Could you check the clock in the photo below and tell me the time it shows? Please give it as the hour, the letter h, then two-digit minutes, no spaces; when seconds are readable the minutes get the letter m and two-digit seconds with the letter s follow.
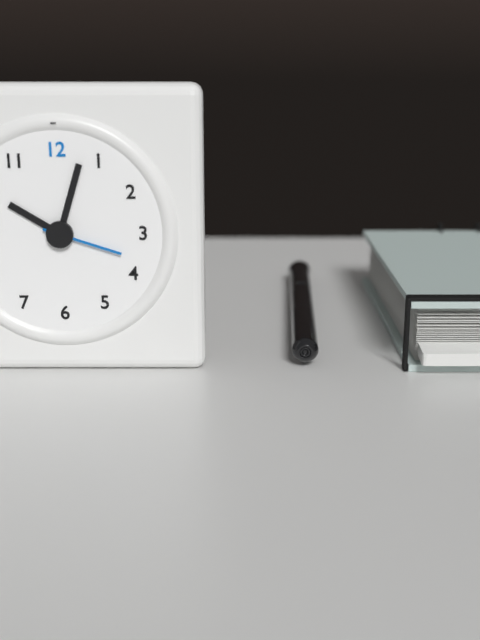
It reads 10h03m18s
